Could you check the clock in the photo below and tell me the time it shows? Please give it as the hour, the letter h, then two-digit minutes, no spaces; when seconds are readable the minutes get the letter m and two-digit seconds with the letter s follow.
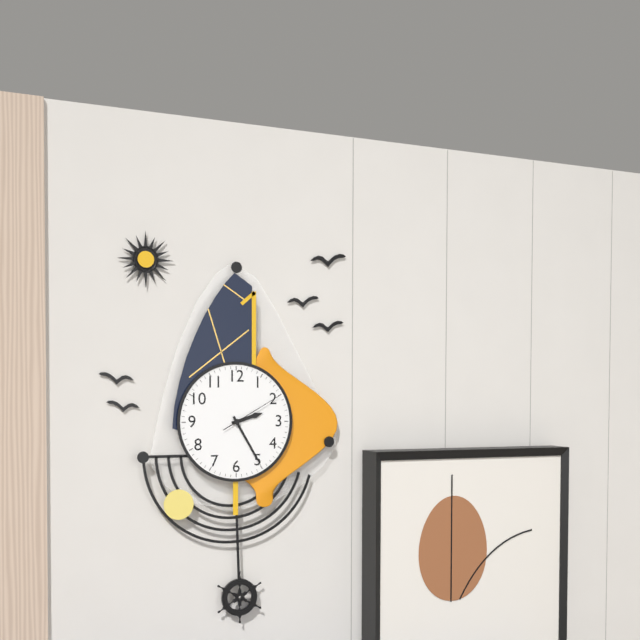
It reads 2h25m10s
